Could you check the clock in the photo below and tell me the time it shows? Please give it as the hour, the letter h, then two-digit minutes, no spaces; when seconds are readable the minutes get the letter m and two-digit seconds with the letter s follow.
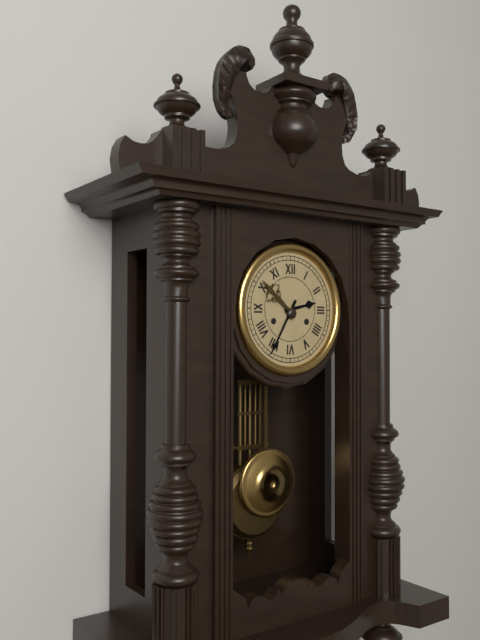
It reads 2h35
